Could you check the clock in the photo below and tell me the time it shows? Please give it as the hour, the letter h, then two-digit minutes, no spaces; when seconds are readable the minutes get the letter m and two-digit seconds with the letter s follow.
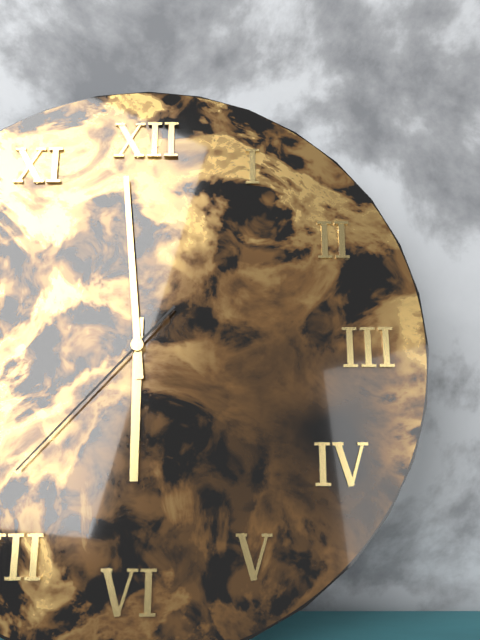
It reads 5h59m37s
